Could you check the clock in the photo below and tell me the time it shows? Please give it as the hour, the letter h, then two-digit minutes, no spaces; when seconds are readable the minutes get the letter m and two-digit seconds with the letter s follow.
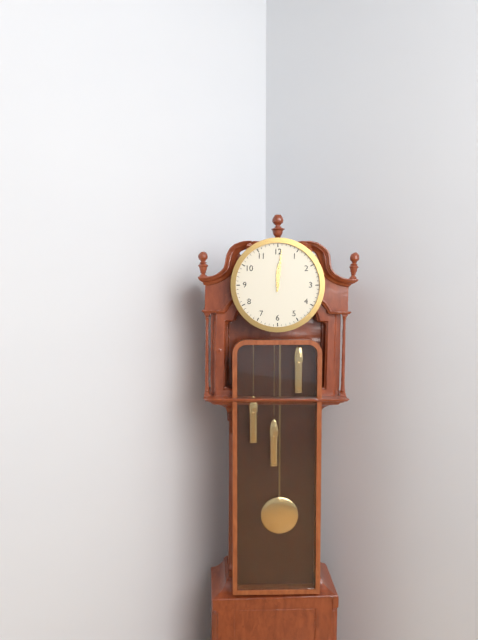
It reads 12h01
